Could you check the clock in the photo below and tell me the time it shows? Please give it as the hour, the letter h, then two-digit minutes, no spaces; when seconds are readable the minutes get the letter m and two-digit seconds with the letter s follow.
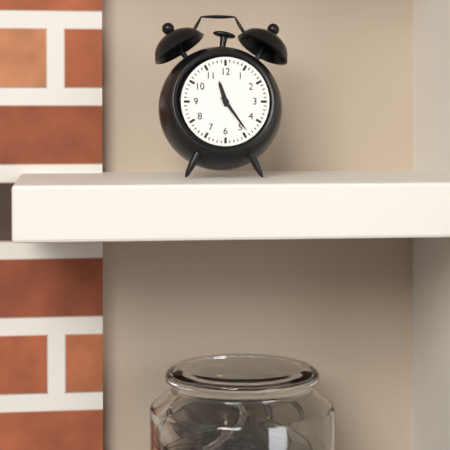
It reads 11h24
